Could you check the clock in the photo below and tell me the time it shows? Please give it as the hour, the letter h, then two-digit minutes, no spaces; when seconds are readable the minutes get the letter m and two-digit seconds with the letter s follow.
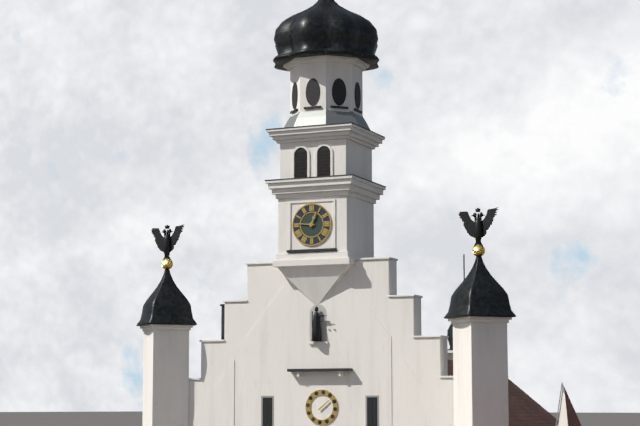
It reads 12h46
